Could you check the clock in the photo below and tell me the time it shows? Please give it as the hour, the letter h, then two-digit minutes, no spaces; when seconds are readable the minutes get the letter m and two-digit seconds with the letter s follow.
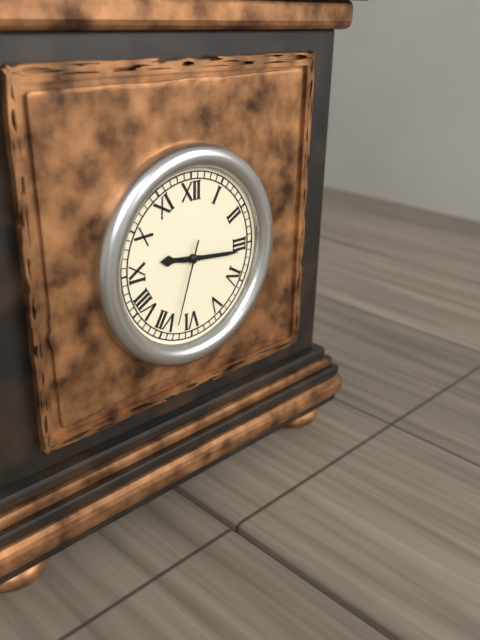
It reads 9h16m33s
